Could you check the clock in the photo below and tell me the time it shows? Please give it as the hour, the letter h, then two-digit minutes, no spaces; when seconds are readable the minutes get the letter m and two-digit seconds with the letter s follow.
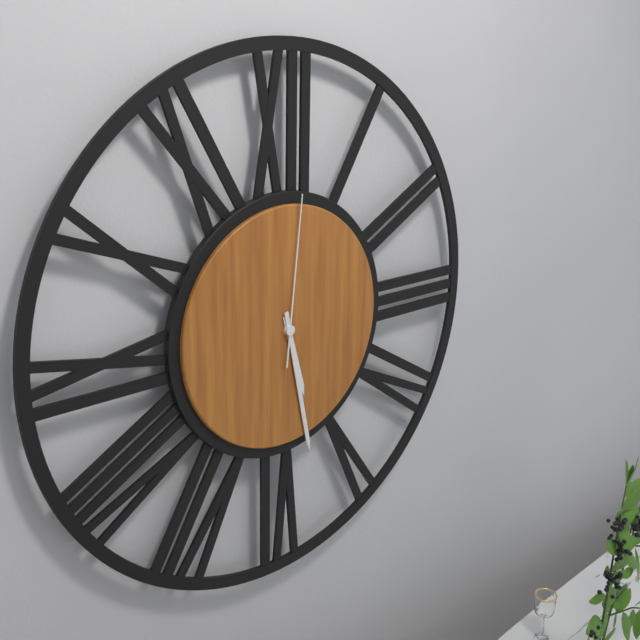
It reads 5h28m01s
